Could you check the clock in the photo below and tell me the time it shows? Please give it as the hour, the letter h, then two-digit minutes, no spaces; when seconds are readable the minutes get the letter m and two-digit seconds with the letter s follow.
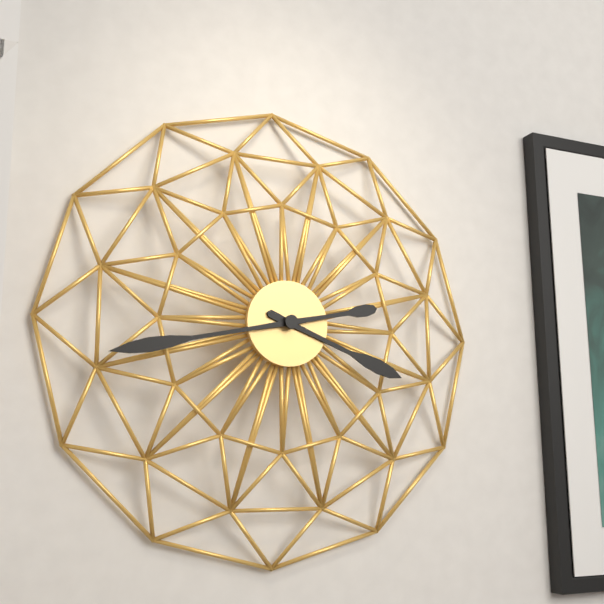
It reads 3h43
